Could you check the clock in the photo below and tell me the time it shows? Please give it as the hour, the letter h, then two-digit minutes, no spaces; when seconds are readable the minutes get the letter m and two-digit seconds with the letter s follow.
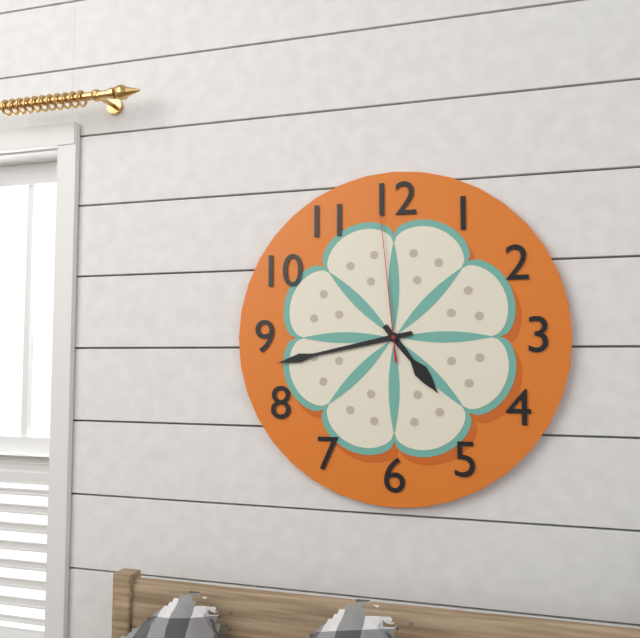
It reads 4h43m59s
